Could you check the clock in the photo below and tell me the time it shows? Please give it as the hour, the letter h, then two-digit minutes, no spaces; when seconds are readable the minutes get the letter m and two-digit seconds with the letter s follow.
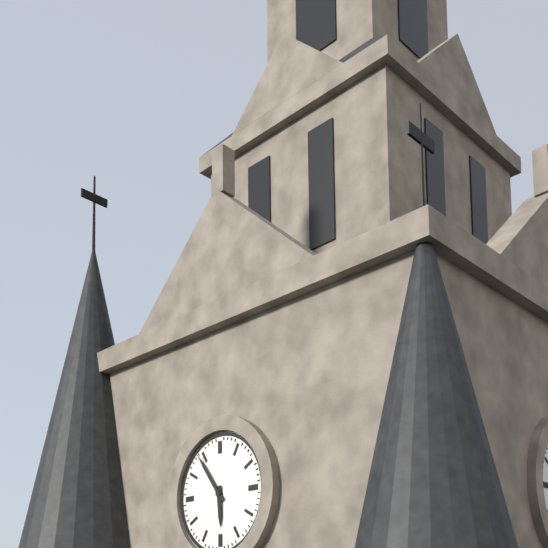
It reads 5h54
